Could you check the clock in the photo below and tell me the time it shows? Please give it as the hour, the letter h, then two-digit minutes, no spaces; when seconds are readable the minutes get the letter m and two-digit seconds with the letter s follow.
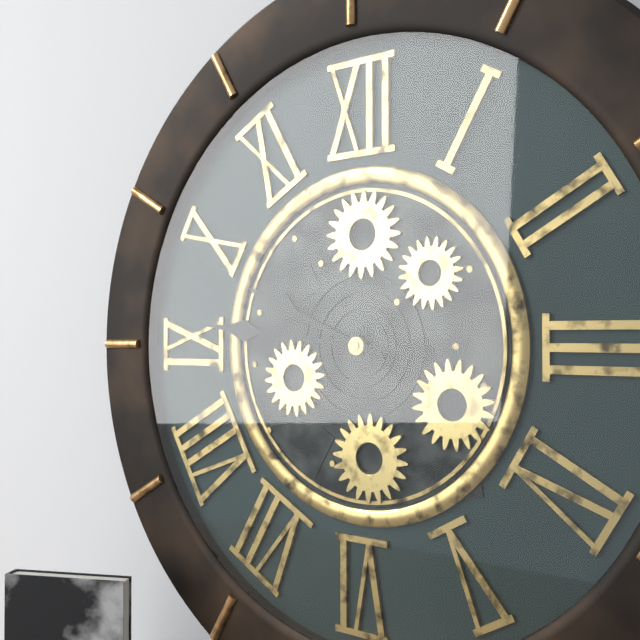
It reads 9h46
